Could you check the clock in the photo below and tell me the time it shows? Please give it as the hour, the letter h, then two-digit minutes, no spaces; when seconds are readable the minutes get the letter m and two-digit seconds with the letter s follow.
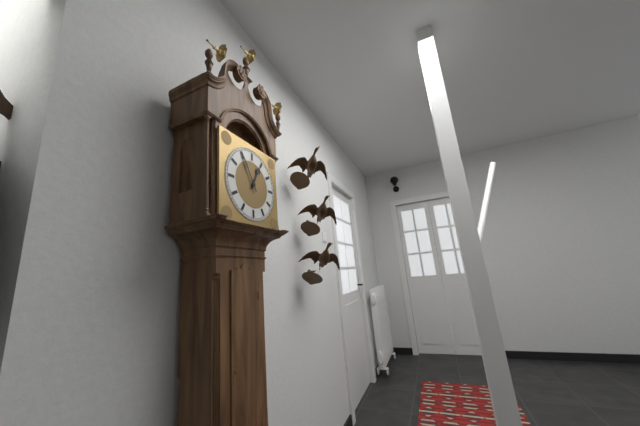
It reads 12h55
